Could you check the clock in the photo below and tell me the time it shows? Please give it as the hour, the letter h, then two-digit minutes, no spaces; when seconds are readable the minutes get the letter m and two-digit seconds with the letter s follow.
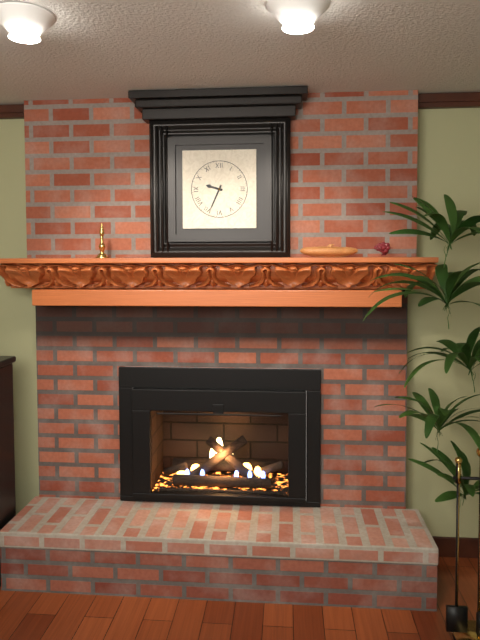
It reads 9h34
